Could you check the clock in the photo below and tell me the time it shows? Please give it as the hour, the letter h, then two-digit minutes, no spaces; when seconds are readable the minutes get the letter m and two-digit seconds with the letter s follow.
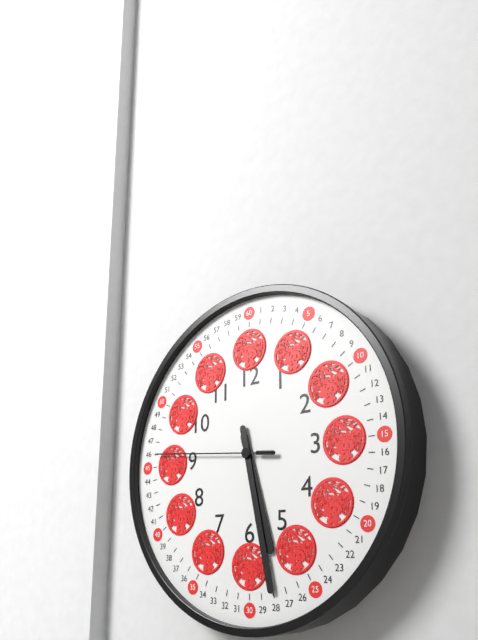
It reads 5h28m46s
